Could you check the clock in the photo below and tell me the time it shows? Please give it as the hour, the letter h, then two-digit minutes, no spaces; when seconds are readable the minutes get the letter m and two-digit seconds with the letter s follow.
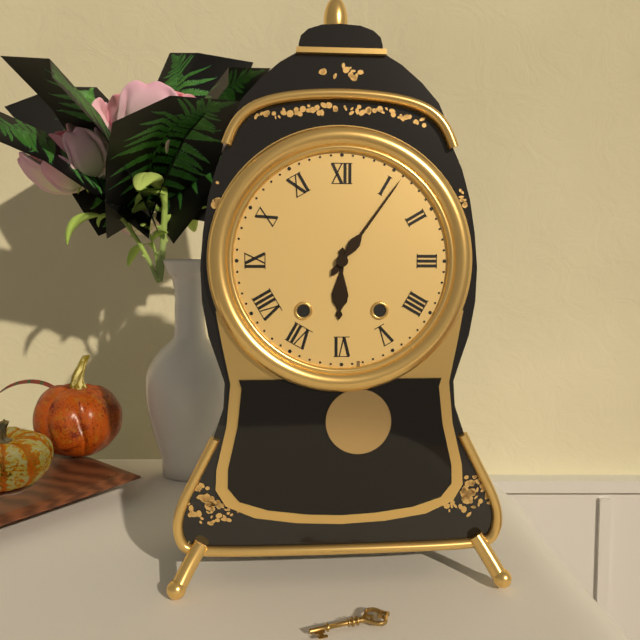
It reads 6h06
